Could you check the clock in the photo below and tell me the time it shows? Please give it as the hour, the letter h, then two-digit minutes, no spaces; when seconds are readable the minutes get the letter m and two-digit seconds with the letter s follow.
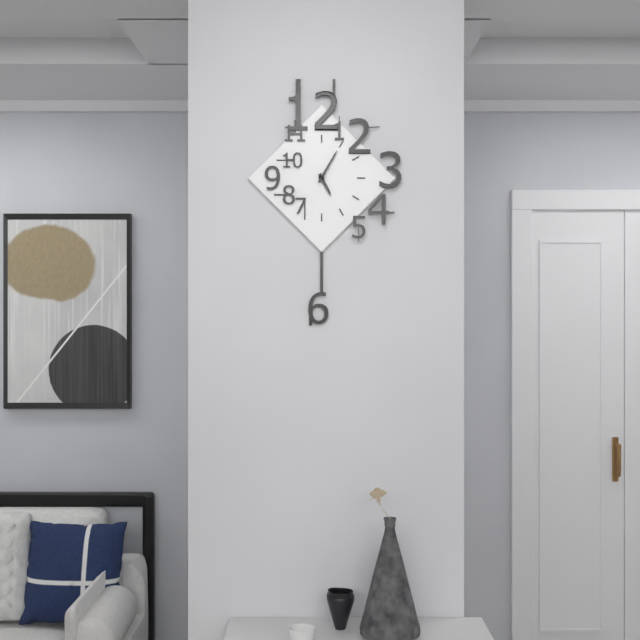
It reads 5h05
